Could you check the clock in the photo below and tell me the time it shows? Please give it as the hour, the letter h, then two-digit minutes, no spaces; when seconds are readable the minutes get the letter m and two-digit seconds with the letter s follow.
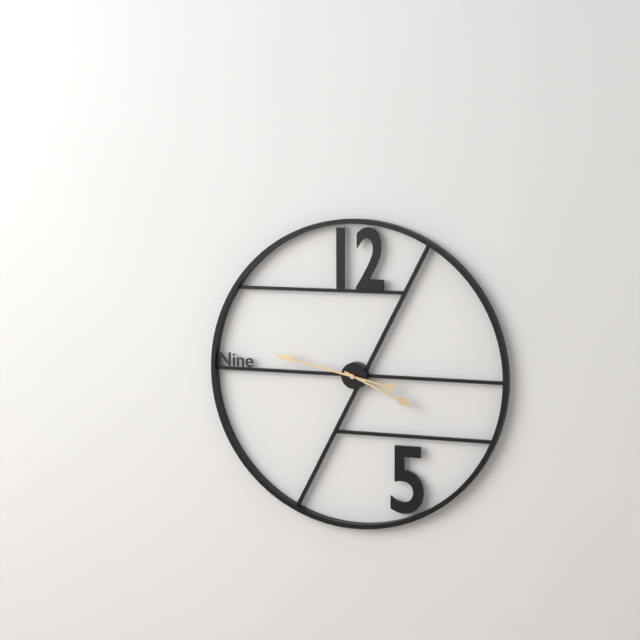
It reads 3h47
